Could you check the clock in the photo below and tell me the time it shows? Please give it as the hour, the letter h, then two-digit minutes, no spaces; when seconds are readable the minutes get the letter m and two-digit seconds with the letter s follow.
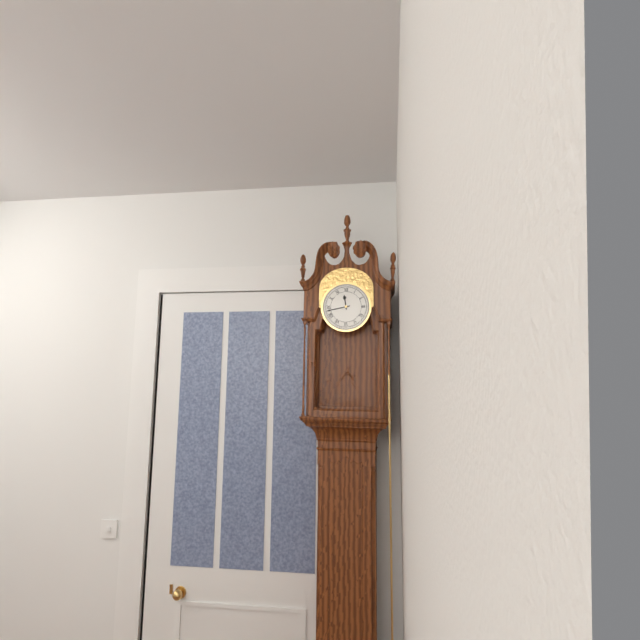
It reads 11h43
